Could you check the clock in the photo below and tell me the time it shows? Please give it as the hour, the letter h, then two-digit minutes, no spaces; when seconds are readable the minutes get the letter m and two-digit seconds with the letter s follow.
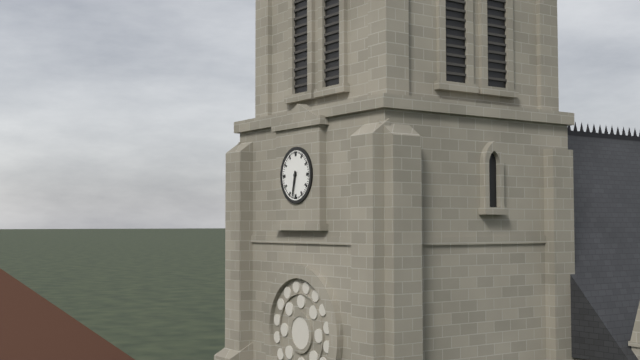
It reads 6h32
